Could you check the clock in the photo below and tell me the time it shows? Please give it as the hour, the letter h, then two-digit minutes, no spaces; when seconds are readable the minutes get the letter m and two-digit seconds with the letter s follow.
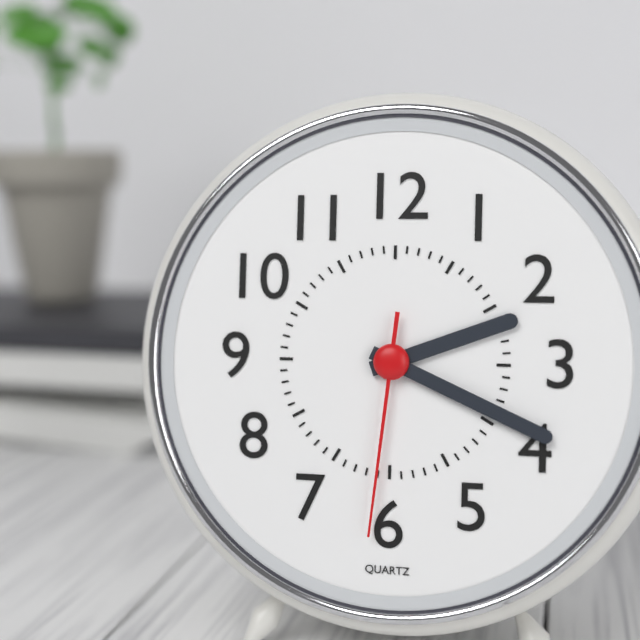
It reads 2h19m31s
